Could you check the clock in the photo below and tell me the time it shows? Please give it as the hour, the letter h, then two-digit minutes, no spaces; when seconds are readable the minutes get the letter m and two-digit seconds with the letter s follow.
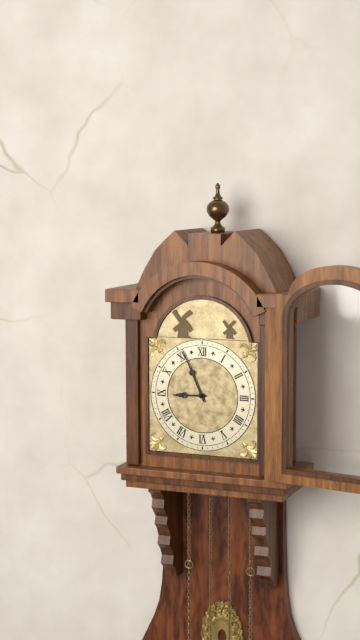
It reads 8h56
